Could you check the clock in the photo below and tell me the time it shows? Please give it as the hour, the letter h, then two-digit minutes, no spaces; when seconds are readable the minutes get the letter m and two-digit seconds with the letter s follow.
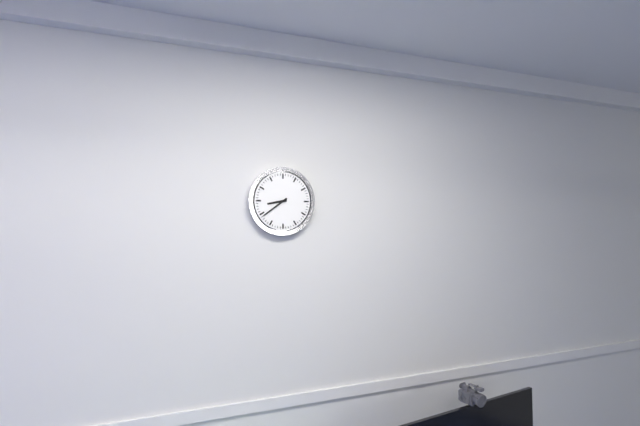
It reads 8h39
